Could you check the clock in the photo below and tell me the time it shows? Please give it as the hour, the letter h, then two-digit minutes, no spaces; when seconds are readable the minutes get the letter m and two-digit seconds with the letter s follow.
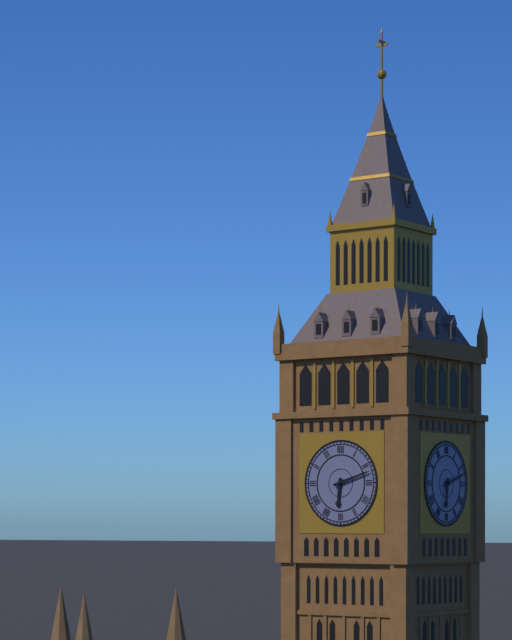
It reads 6h12
